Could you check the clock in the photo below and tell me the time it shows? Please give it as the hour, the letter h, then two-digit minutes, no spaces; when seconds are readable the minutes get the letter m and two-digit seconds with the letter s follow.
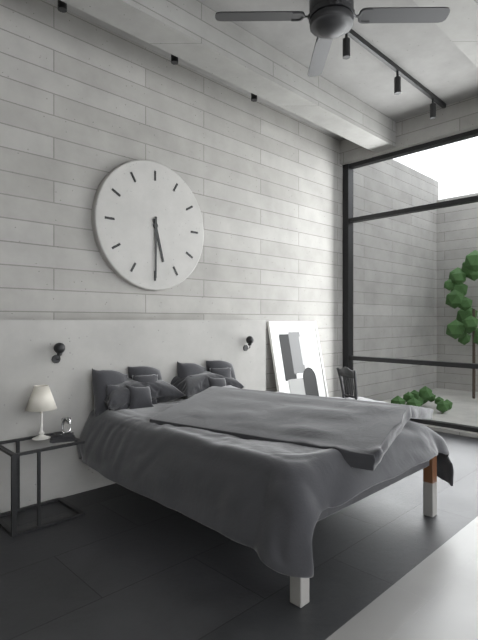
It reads 5h30
